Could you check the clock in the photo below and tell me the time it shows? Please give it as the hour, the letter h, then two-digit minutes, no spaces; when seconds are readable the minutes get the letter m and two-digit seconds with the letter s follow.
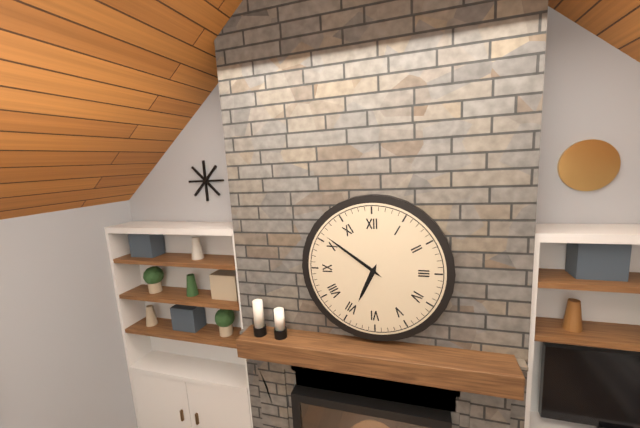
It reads 6h51
